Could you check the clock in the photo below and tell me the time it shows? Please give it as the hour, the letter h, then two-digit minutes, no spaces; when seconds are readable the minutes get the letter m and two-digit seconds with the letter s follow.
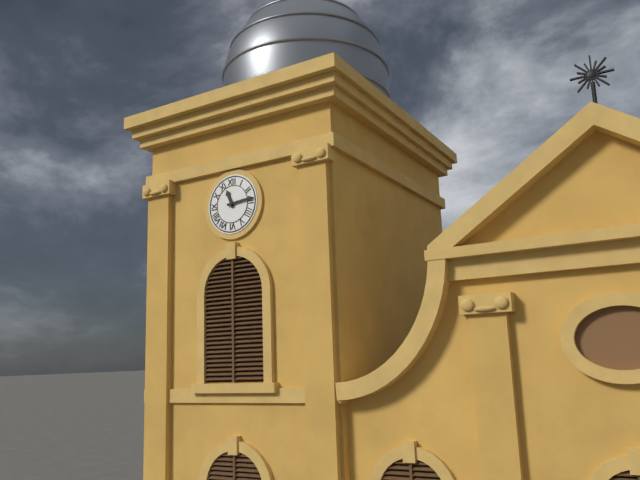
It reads 11h14
